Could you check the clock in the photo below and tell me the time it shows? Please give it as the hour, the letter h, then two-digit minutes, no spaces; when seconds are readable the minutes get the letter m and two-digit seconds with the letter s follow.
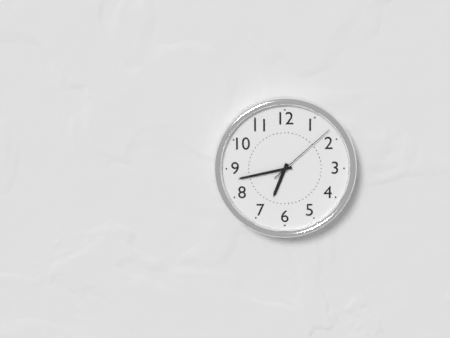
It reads 6h43m08s
